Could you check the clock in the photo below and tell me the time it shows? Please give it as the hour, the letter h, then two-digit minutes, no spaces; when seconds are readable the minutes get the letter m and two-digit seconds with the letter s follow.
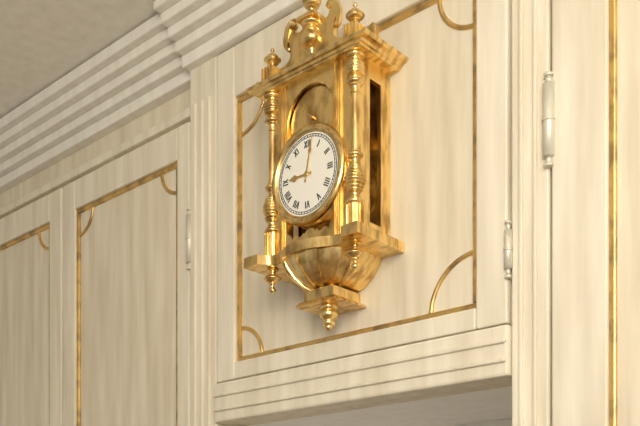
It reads 9h02
